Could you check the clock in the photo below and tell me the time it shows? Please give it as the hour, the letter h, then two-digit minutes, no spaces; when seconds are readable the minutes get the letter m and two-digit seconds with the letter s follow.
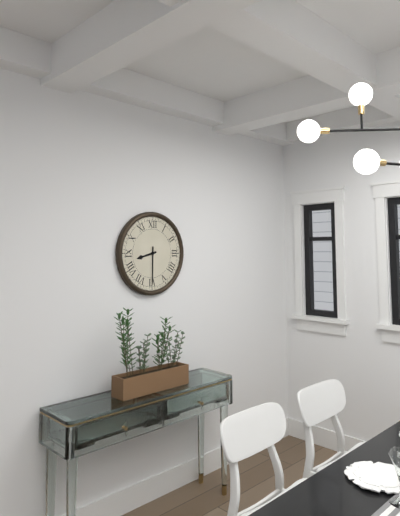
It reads 8h30
